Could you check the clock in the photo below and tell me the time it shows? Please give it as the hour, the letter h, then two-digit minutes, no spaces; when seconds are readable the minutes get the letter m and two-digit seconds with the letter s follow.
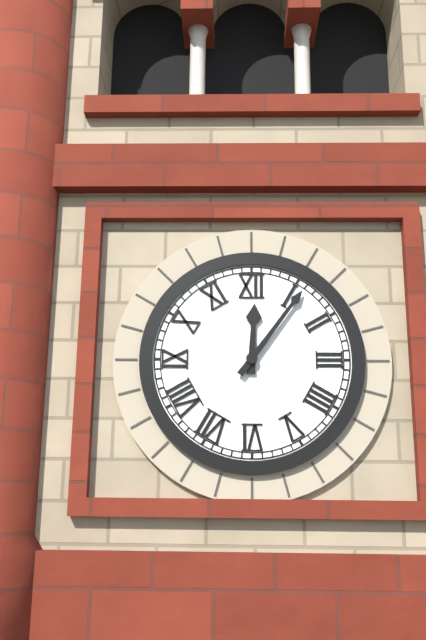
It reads 12h06
